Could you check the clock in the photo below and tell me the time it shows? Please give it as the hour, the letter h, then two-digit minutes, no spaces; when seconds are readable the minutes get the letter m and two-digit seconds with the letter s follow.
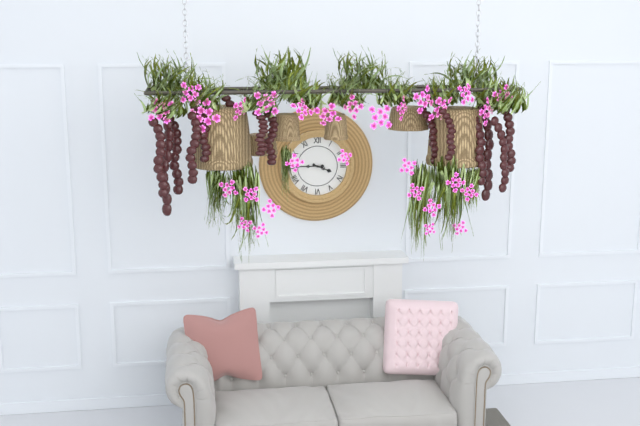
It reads 3h45
